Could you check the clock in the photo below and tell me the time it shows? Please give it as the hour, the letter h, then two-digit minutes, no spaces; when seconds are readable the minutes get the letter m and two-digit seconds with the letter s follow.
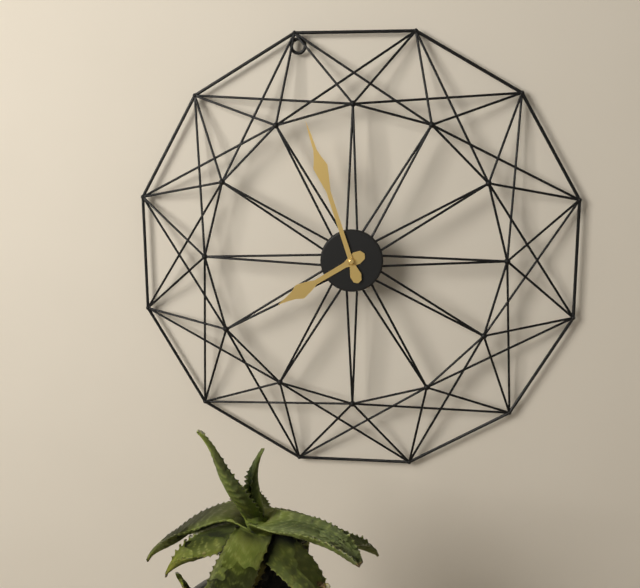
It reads 7h57
